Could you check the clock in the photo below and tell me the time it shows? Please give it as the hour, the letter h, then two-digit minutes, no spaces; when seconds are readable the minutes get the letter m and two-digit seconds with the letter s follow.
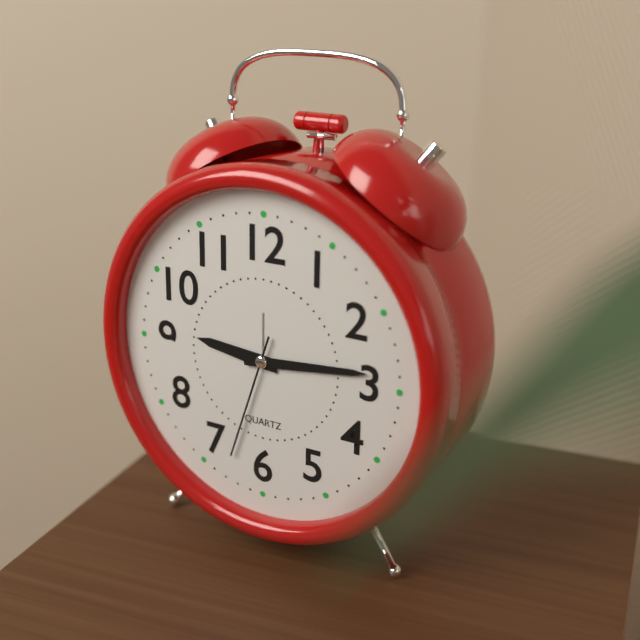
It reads 9h14m33s
